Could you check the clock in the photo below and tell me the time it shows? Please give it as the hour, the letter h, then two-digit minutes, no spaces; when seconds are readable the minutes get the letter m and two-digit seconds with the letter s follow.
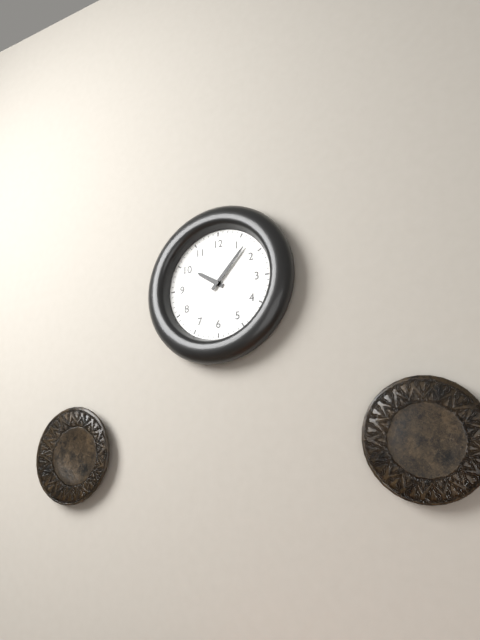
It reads 10h07
